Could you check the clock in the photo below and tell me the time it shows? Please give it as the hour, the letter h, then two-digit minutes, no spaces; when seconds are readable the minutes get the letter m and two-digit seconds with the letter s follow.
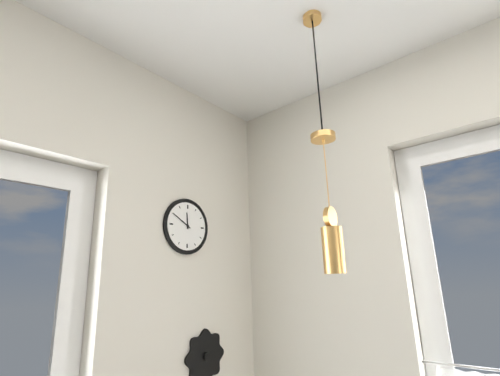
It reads 11h50
